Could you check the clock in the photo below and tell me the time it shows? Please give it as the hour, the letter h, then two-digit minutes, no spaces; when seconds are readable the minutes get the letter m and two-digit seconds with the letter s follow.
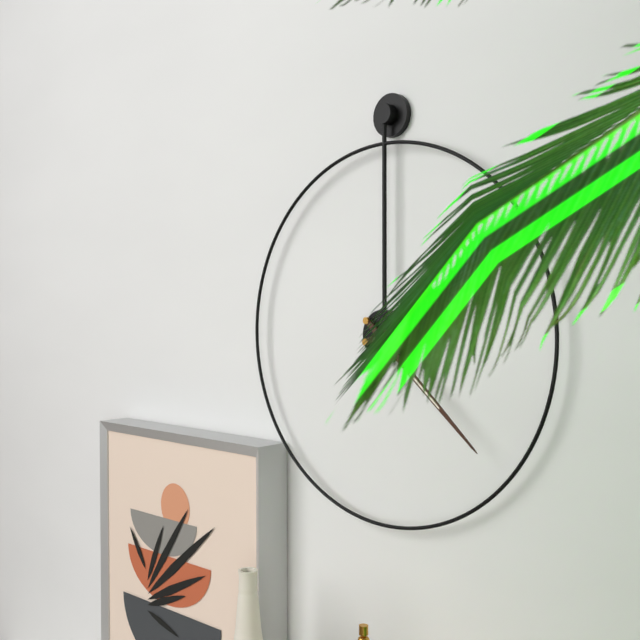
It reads 2h22
